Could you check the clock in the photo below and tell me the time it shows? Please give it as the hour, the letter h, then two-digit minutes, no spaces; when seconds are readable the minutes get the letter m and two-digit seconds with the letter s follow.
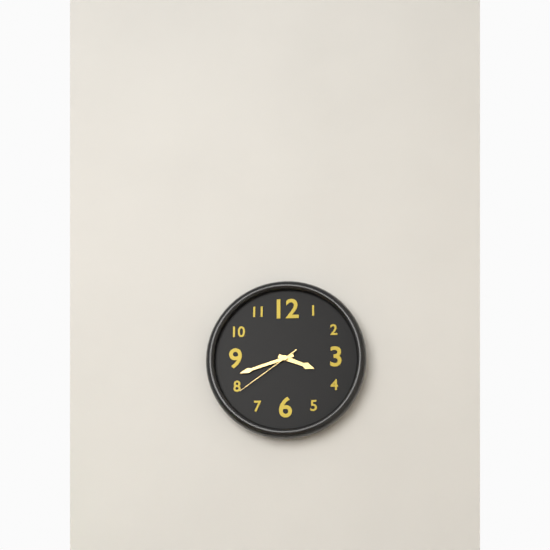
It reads 3h42m39s
